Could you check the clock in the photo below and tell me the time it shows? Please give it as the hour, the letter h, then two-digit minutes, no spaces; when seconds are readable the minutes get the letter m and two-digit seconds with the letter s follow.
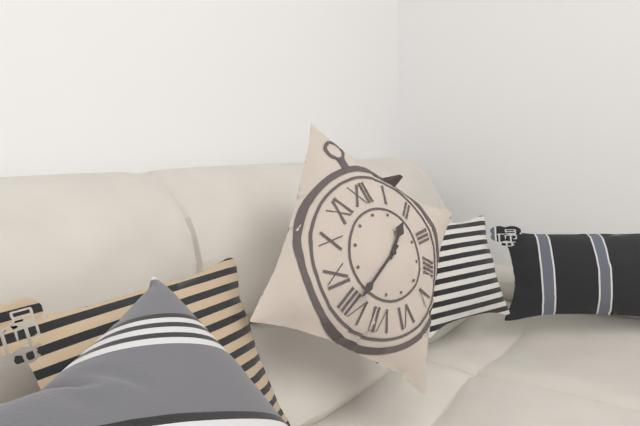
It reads 1h41
